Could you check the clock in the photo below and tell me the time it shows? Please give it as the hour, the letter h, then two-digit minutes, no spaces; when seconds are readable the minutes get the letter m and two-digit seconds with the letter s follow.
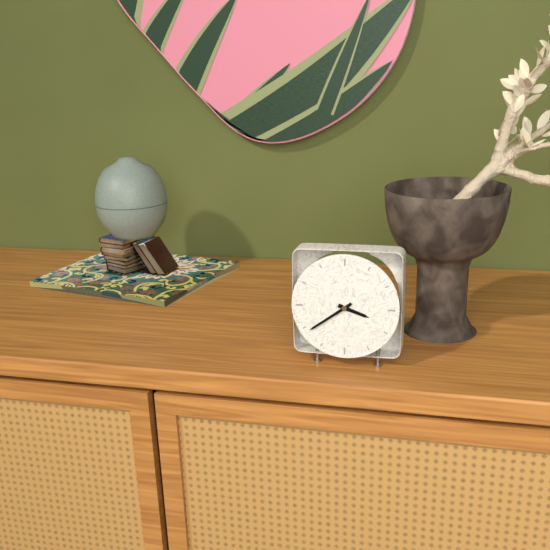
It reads 3h39
